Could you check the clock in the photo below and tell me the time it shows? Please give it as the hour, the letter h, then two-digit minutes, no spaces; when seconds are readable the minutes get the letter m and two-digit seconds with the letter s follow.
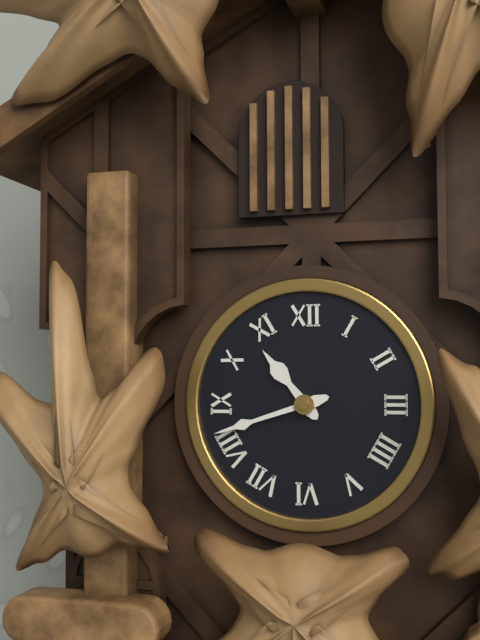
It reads 10h42
